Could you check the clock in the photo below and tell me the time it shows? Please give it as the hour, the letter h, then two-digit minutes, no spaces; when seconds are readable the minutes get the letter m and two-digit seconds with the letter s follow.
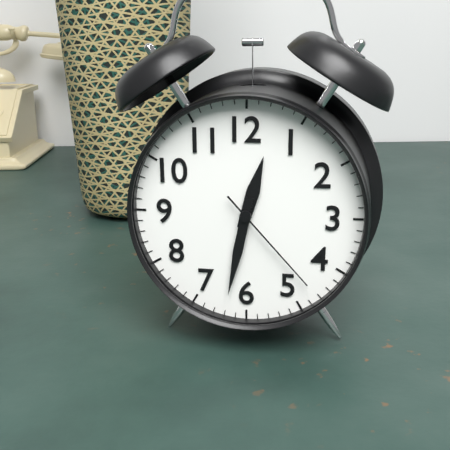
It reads 12h32m23s
